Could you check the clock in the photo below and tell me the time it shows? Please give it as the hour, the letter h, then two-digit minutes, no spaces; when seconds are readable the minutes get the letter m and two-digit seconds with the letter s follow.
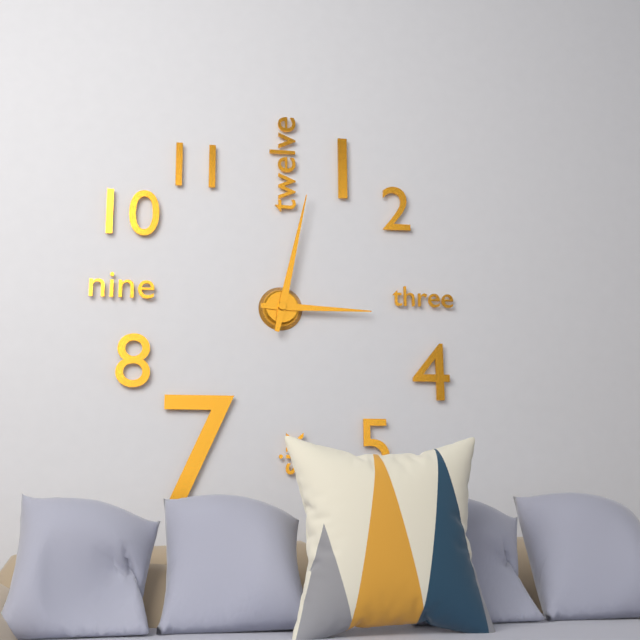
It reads 3h02
